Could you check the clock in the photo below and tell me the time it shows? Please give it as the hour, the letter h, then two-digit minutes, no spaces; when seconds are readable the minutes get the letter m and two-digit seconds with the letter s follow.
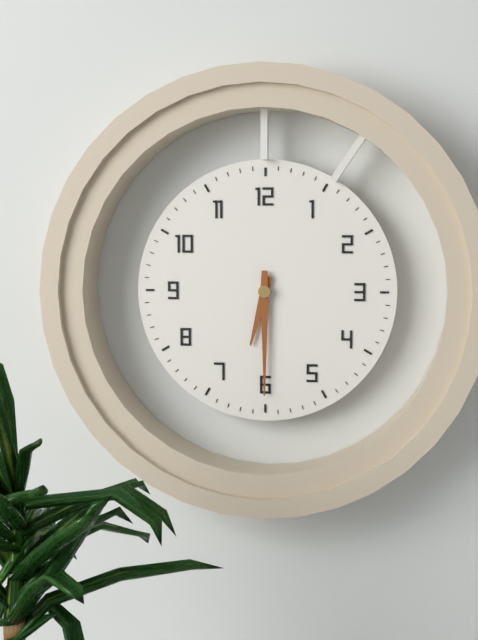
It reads 6h30
